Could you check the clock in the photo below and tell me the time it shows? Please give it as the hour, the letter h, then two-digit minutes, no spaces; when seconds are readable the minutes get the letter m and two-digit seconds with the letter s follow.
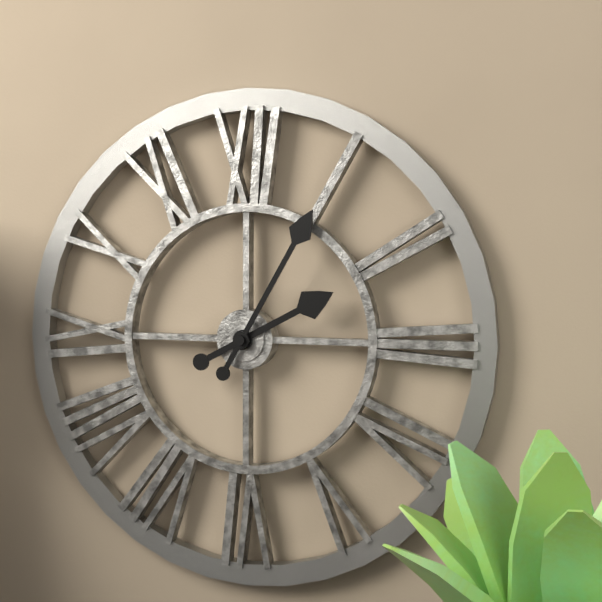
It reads 2h05
